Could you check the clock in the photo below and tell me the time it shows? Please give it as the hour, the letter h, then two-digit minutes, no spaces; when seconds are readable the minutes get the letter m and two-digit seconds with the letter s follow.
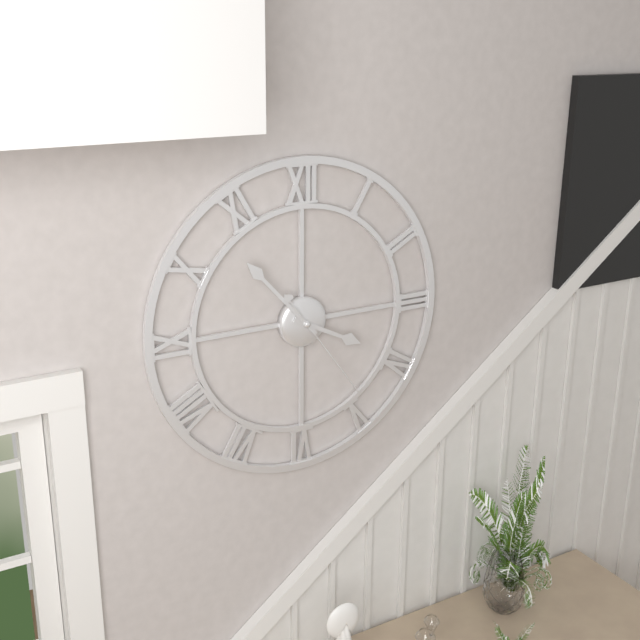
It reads 3h53m24s
